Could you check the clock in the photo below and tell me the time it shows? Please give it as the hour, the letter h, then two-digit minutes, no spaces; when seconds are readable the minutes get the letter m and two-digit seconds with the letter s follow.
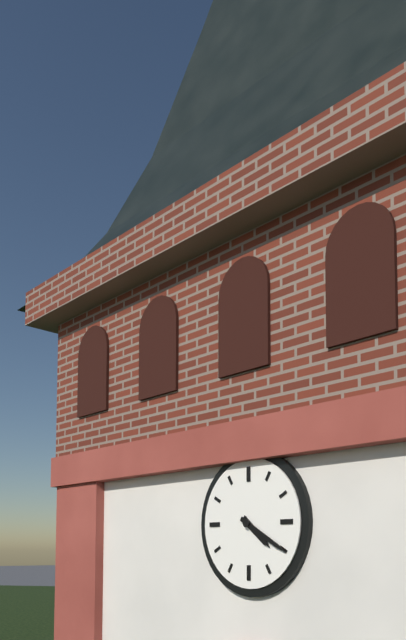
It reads 4h20
